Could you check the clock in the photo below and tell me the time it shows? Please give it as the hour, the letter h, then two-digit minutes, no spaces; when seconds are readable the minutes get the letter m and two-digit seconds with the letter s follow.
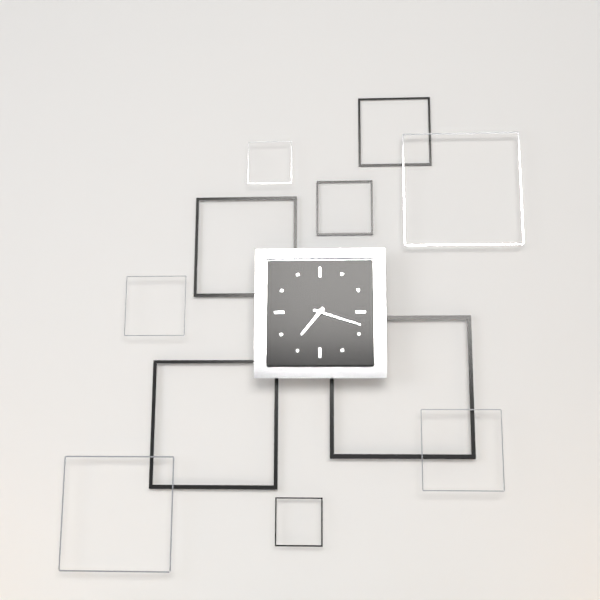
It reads 7h18
